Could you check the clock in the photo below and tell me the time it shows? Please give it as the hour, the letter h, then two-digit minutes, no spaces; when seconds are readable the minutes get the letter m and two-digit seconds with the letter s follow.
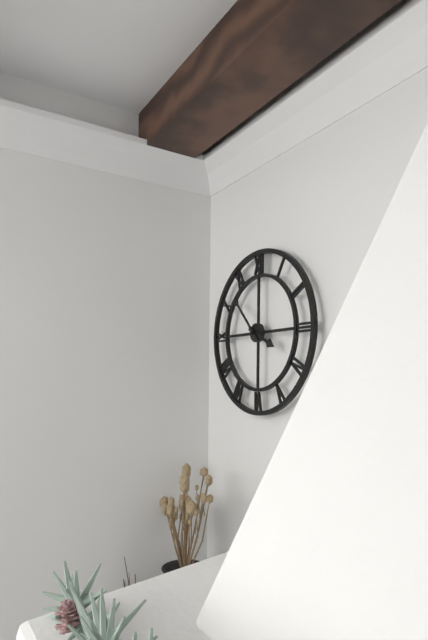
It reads 3h53
